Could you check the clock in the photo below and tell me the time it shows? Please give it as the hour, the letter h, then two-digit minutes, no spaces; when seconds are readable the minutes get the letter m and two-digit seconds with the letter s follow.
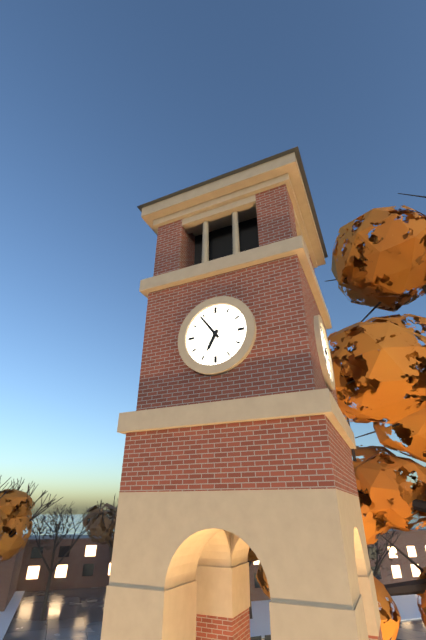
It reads 6h54
